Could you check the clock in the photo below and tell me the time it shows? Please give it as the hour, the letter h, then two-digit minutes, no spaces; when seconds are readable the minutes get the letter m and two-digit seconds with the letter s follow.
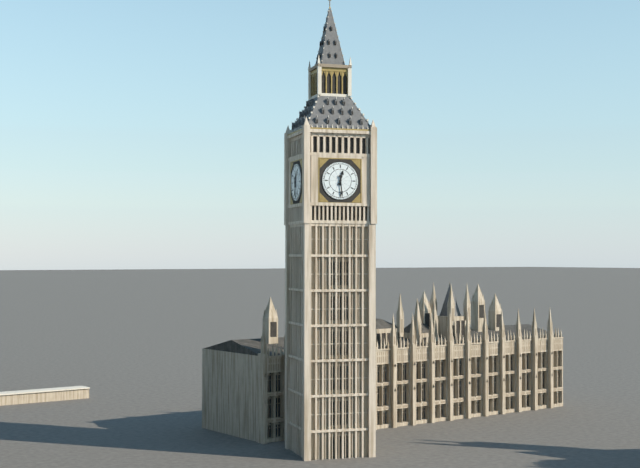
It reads 12h29
